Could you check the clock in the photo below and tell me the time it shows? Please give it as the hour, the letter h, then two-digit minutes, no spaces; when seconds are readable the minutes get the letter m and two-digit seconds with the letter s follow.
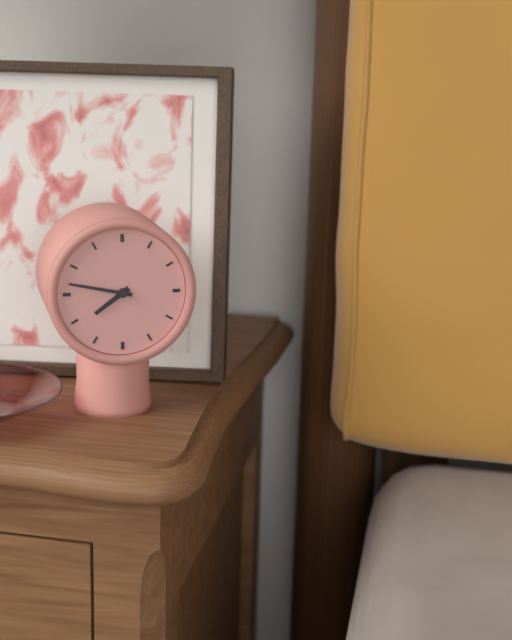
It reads 7h47
